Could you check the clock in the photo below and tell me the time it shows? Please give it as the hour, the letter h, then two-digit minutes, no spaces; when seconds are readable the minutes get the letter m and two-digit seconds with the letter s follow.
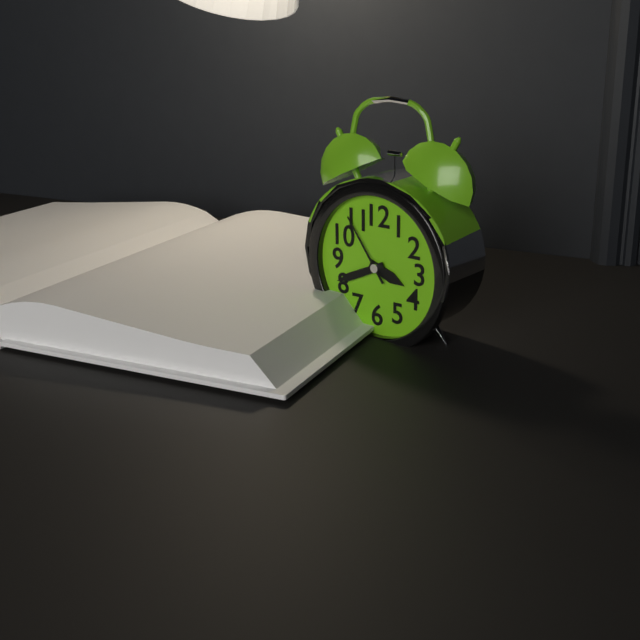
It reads 3h41m54s
